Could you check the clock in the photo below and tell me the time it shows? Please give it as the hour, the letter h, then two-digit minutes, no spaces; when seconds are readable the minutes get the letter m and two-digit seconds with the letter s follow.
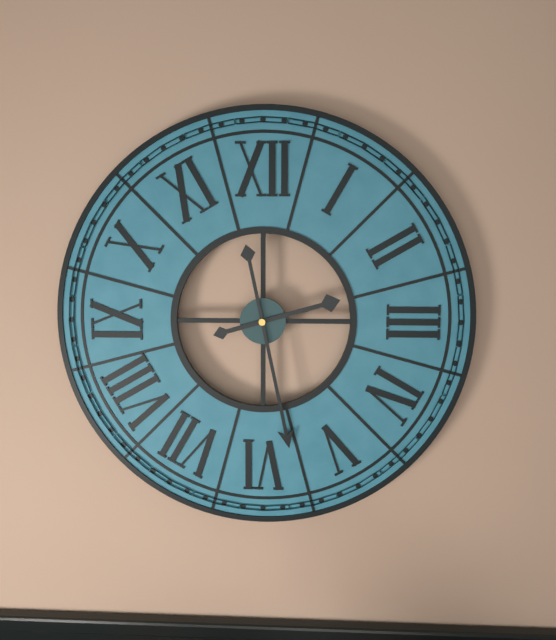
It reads 2h28
